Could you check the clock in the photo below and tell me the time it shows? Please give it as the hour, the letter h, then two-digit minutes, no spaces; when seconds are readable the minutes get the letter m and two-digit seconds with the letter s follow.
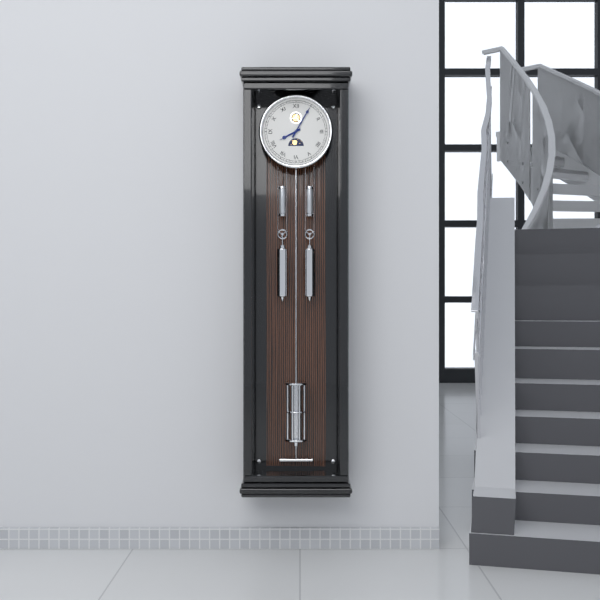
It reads 8h05
